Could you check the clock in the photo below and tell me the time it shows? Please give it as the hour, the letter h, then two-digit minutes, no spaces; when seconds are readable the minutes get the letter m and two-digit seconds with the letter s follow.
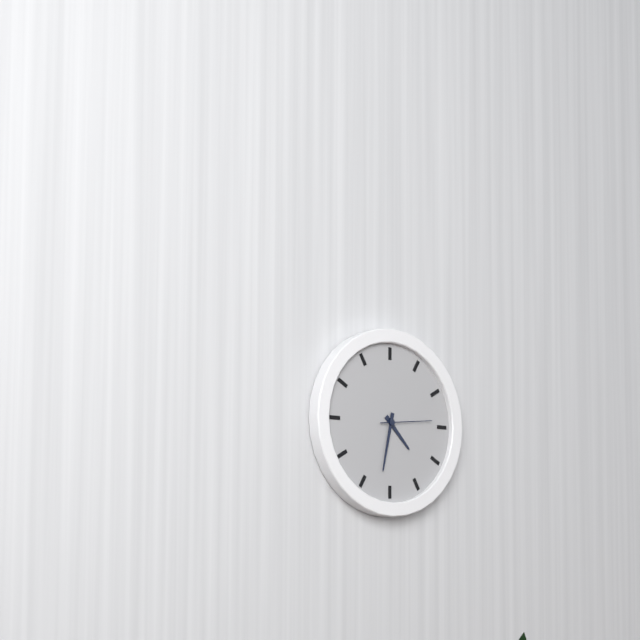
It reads 4h32m14s
